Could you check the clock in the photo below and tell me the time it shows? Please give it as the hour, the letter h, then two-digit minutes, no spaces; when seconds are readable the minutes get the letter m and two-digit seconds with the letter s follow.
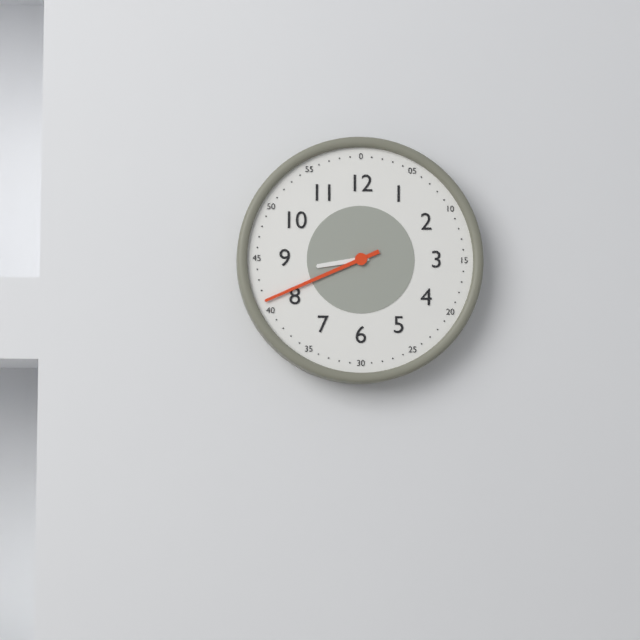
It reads 8h41
